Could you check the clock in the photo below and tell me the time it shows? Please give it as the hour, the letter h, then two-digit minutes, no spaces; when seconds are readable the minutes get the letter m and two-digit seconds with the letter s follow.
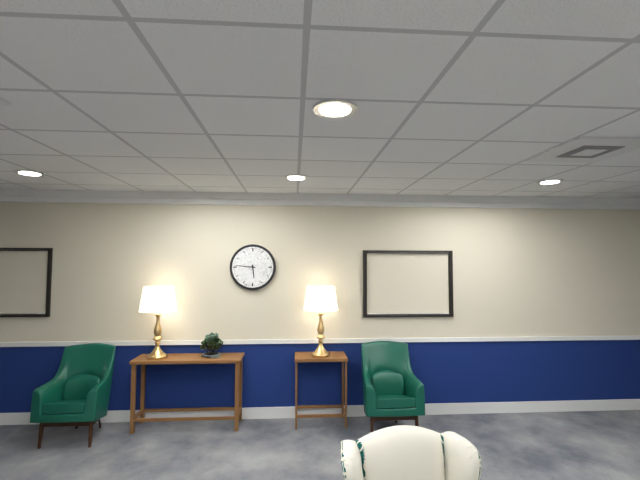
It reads 5h46
